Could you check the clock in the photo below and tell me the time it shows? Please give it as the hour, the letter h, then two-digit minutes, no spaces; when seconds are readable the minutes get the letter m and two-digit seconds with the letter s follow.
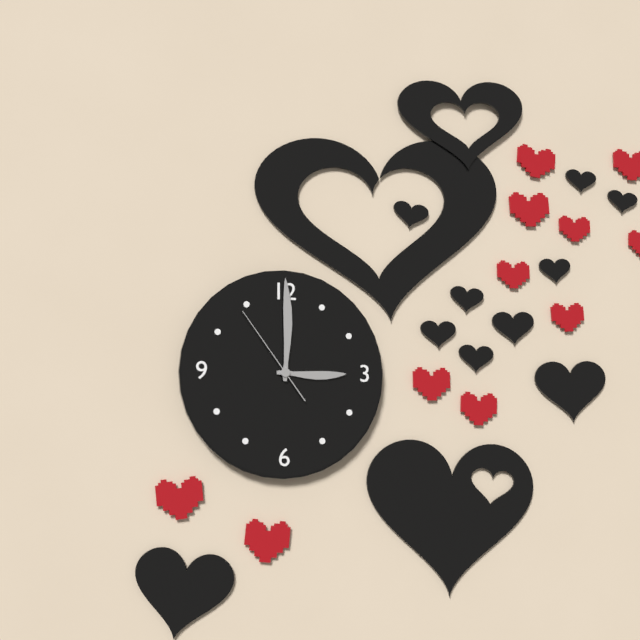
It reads 3h00m54s
